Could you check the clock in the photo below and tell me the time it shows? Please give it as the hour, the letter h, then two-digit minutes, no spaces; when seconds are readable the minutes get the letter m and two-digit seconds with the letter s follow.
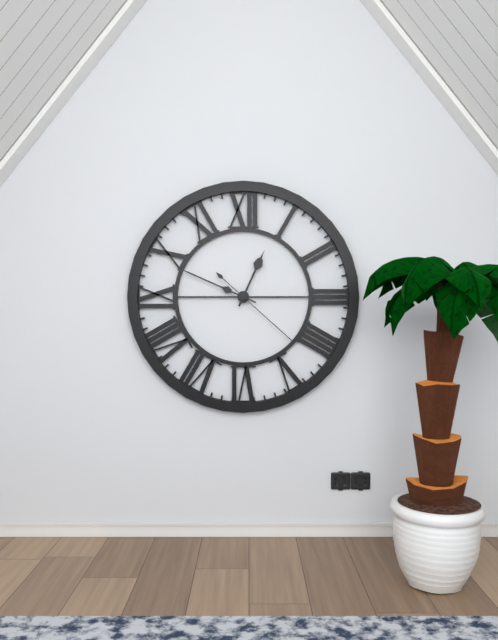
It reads 12h49m22s
